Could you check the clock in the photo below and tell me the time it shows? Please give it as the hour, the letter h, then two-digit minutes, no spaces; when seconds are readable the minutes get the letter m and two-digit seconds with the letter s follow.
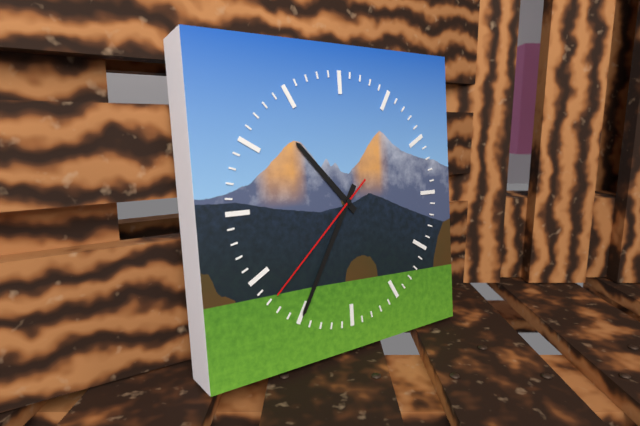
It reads 10h35m38s
